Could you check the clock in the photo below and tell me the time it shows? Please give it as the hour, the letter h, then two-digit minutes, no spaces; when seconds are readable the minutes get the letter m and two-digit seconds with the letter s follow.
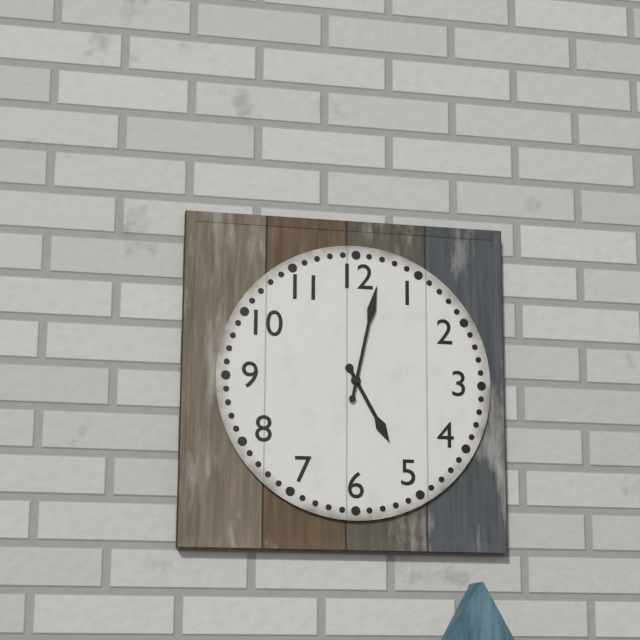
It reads 5h02
